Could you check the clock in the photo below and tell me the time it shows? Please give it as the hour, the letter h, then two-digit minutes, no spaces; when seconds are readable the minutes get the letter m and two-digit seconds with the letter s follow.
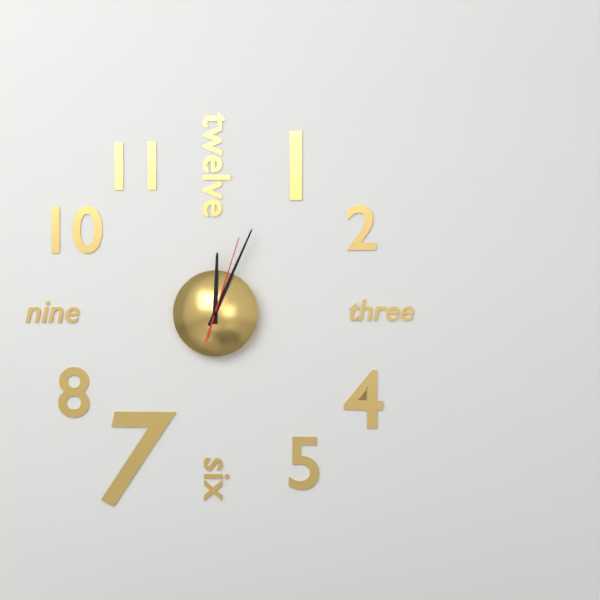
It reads 12h04m03s
